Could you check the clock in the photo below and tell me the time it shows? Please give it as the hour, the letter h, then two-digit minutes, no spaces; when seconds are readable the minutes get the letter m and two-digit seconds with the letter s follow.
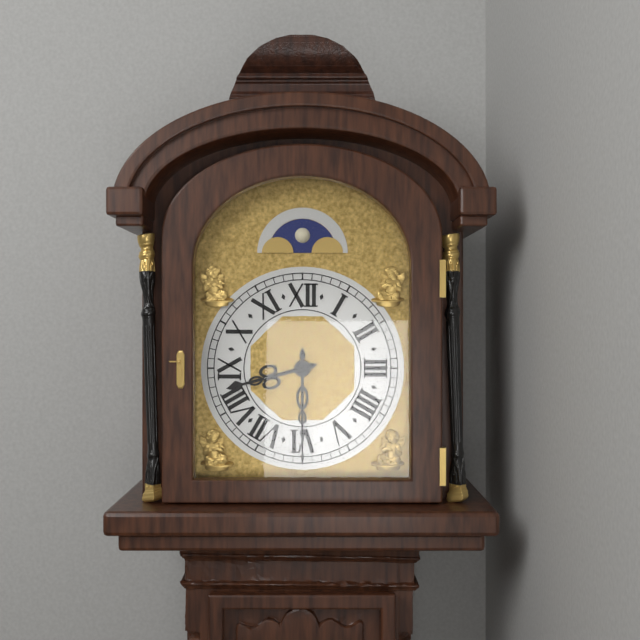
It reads 8h30
